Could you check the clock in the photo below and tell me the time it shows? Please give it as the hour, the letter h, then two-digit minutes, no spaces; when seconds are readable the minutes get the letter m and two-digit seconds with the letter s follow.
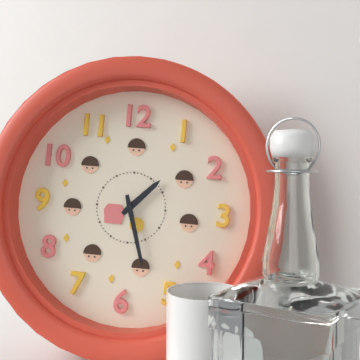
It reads 1h27
